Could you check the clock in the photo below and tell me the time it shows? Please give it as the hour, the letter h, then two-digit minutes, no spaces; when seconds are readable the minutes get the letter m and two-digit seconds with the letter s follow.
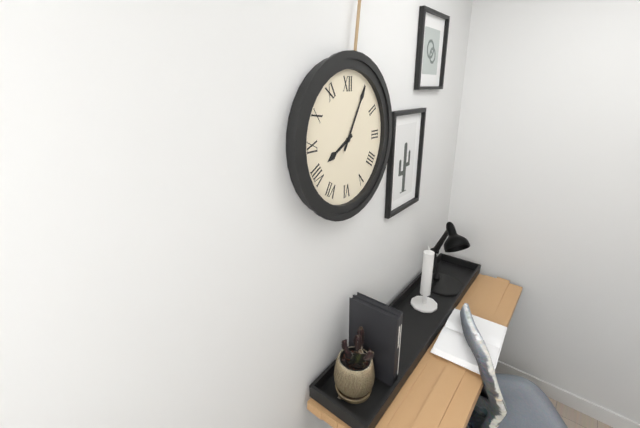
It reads 8h05
